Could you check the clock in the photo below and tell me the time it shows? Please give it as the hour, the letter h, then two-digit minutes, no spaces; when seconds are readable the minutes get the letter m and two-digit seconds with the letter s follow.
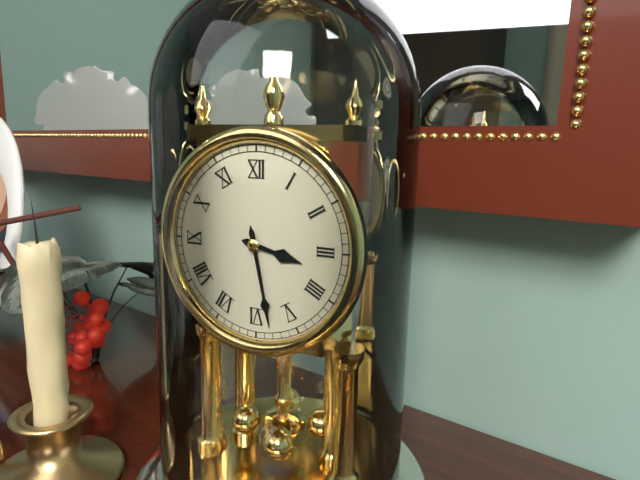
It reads 3h28
